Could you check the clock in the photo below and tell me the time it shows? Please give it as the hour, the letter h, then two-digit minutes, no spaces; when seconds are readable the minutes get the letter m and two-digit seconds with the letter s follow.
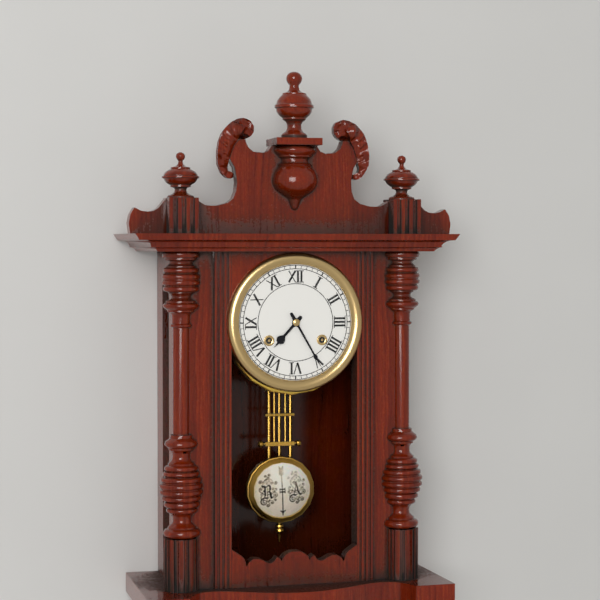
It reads 7h25
